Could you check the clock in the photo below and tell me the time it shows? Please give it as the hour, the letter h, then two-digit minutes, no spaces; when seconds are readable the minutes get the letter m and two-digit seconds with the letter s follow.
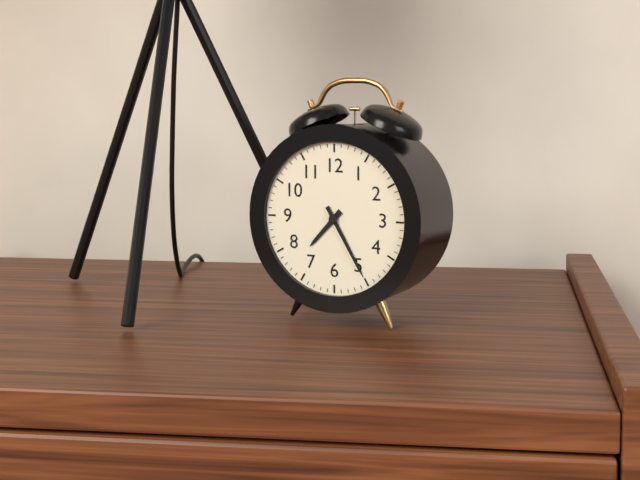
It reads 7h25
